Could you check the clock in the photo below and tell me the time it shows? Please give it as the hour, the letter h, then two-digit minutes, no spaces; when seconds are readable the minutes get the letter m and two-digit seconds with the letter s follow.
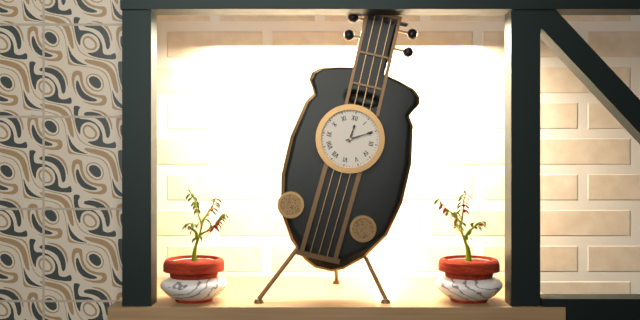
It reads 12h10
